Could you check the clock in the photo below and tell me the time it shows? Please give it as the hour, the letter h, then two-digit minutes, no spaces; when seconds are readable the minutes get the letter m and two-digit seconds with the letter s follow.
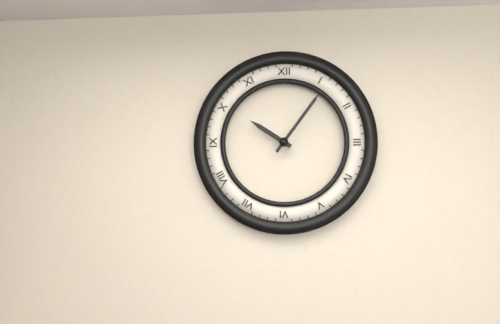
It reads 10h06
